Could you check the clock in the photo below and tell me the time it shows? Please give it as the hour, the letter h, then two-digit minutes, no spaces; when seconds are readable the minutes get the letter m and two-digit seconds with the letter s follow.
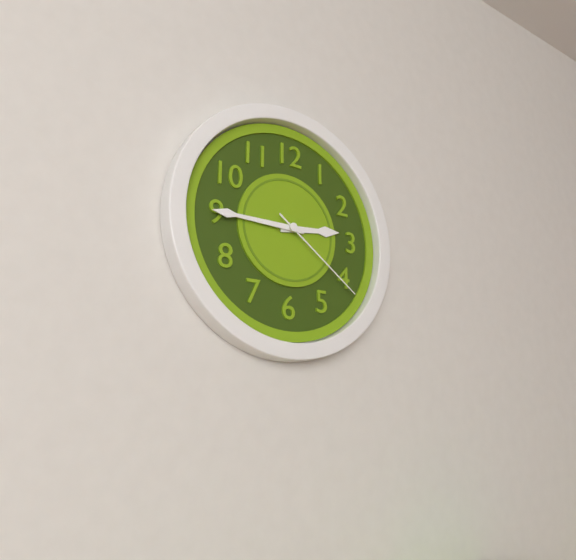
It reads 2h45m21s
